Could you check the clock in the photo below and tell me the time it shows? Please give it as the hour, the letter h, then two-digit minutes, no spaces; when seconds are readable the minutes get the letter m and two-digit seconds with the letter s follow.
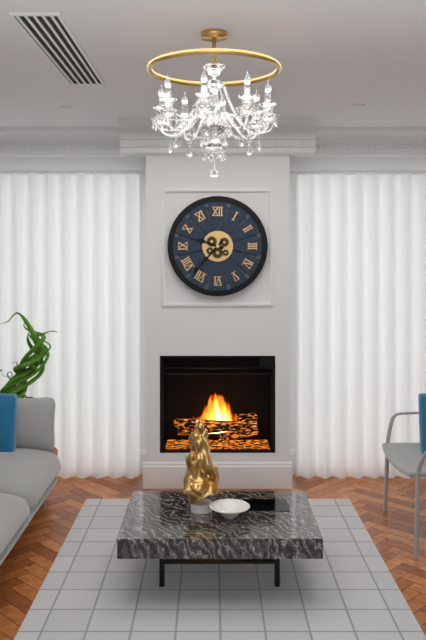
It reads 9h37
